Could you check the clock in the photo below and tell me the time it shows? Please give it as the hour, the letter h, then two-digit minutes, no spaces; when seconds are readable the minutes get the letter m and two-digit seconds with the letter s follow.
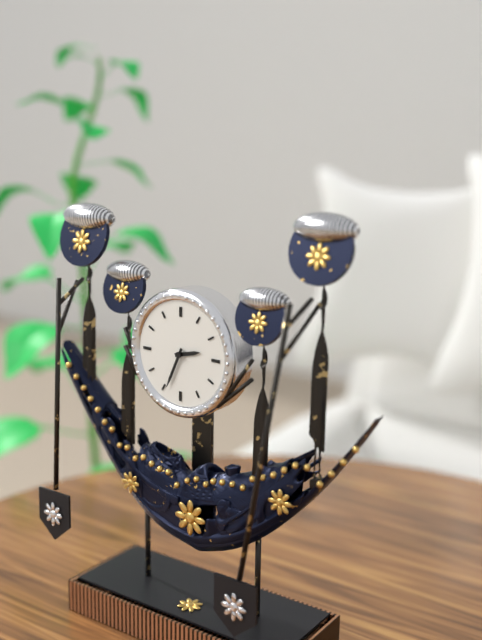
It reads 2h34
